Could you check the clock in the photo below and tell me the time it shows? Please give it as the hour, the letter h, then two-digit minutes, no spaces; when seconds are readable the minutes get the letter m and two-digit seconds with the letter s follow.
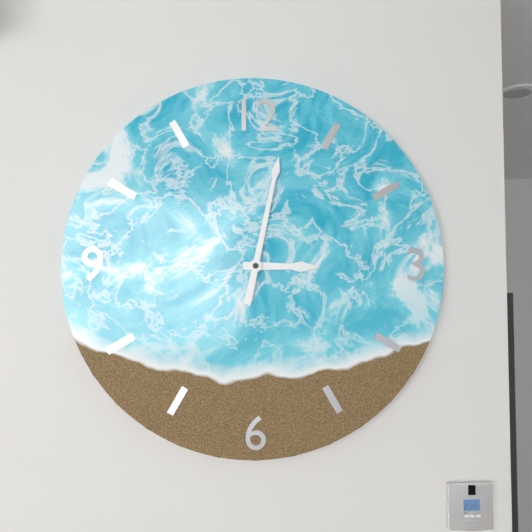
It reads 3h02
